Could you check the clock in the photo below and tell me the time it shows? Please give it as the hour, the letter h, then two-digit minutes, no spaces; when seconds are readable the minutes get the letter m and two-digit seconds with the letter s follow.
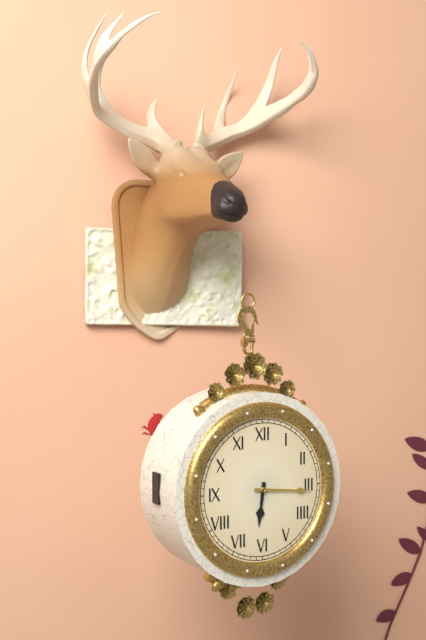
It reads 6h16
